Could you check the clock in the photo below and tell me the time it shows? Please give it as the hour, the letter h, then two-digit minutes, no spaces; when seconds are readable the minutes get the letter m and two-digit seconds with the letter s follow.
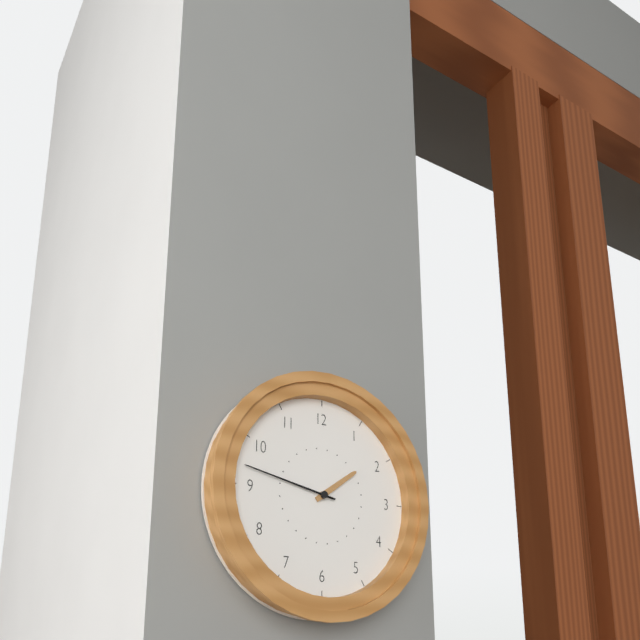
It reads 1h47
